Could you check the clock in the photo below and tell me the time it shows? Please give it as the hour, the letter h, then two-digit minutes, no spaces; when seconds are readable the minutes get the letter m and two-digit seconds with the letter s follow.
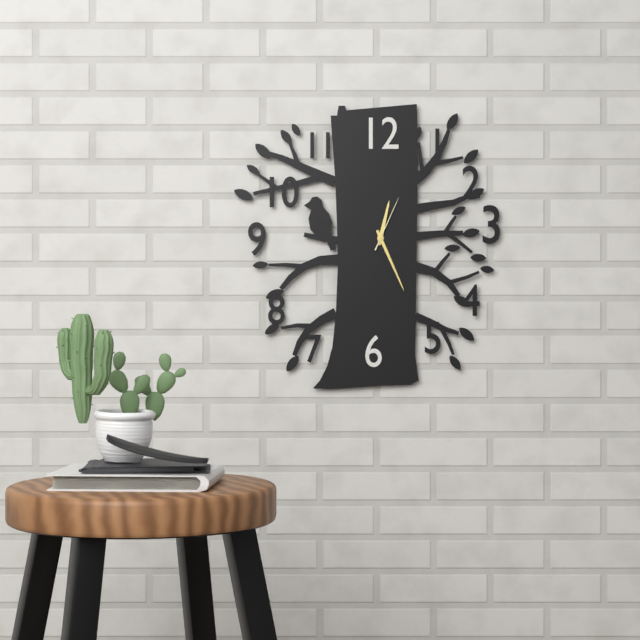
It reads 12h26m04s
